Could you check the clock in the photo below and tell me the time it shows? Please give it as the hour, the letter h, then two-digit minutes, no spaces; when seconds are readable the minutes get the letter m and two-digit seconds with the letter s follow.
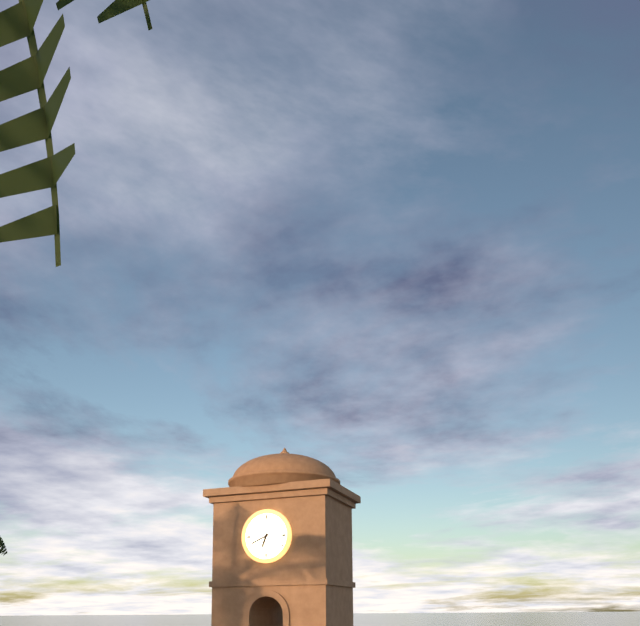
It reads 6h41
